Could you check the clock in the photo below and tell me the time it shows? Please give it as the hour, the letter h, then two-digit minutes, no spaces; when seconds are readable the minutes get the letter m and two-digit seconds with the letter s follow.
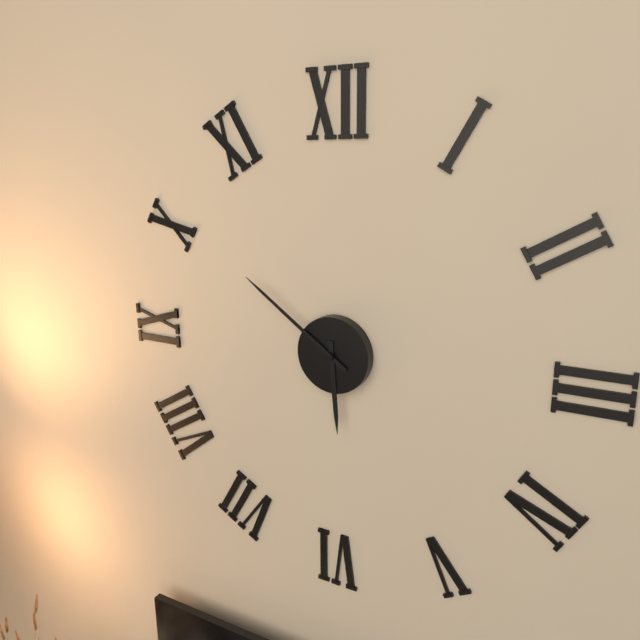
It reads 5h51
